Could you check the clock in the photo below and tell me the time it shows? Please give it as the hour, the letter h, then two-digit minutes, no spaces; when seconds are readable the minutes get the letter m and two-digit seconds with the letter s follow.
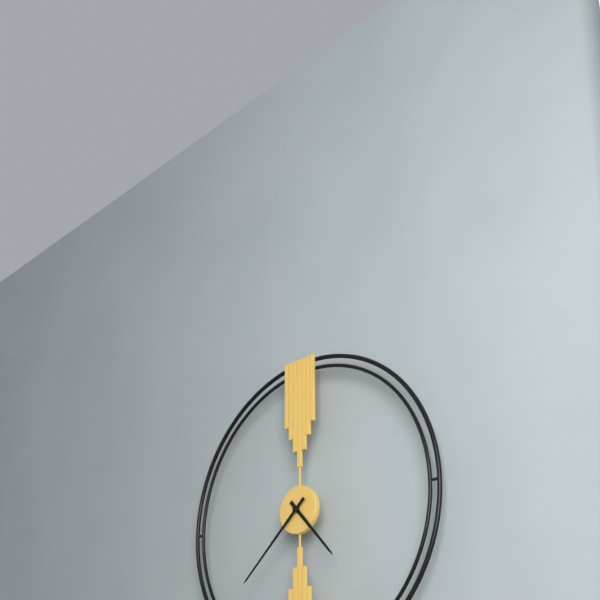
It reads 4h38
